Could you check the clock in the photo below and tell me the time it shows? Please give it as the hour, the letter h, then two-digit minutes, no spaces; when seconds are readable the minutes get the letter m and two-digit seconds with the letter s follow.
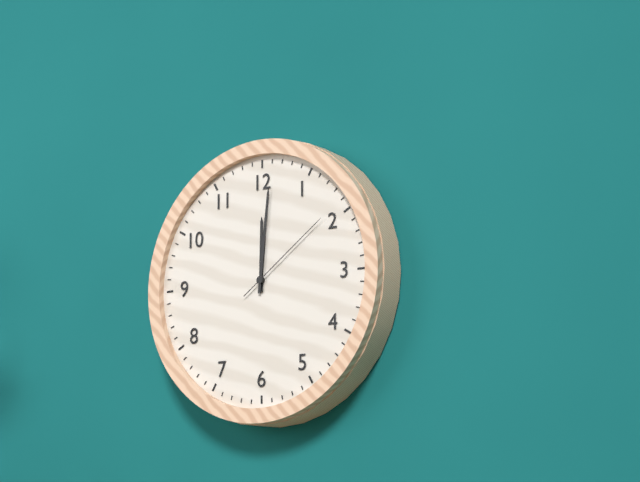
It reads 12h01m09s
